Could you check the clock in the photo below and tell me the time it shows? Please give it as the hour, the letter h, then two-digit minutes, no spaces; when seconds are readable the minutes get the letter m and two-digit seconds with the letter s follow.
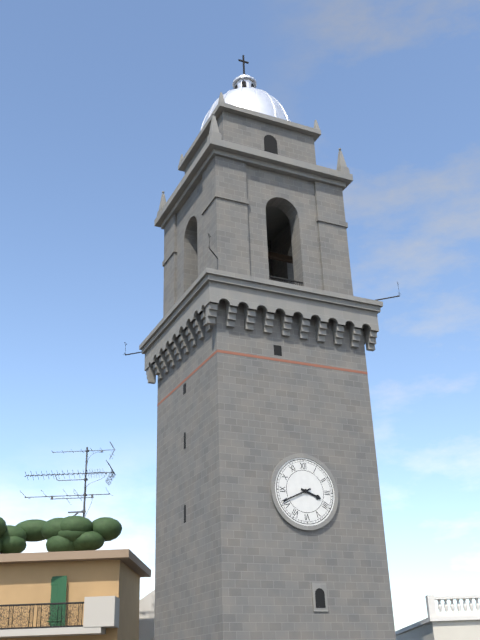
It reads 3h41
